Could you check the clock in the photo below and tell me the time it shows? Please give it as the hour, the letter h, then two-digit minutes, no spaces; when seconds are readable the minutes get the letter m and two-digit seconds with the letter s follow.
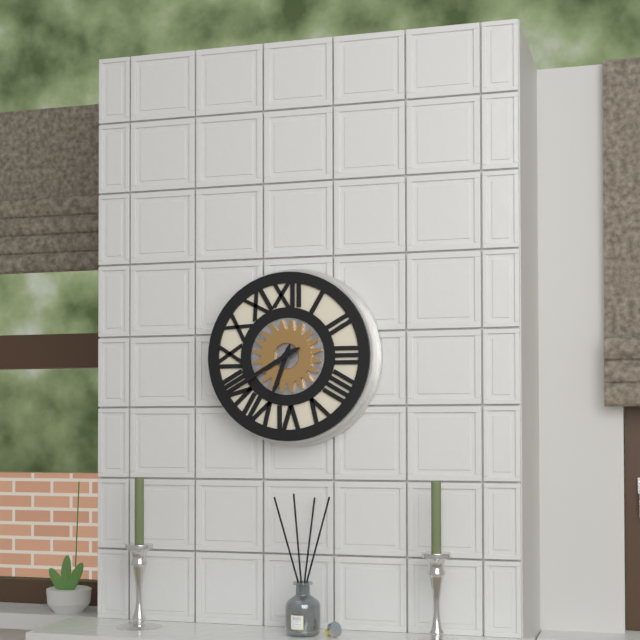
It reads 6h40
